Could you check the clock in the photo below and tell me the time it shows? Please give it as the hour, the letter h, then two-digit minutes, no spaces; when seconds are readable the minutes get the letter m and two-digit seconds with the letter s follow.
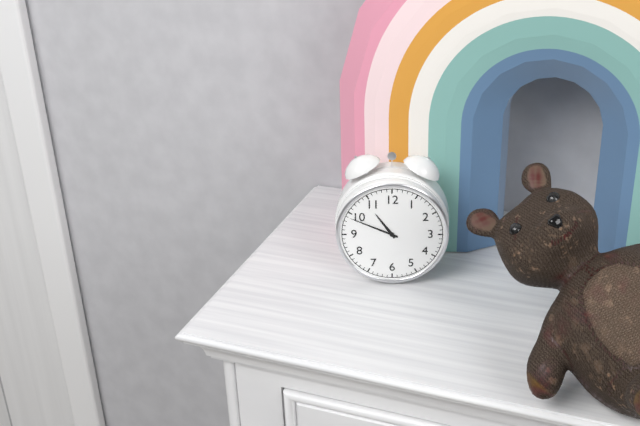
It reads 10h49
